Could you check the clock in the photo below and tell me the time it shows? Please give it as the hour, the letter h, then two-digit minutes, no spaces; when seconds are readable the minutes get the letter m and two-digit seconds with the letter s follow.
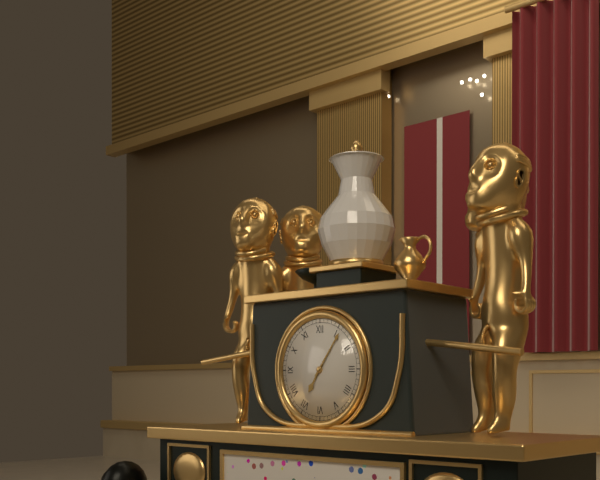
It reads 7h06
